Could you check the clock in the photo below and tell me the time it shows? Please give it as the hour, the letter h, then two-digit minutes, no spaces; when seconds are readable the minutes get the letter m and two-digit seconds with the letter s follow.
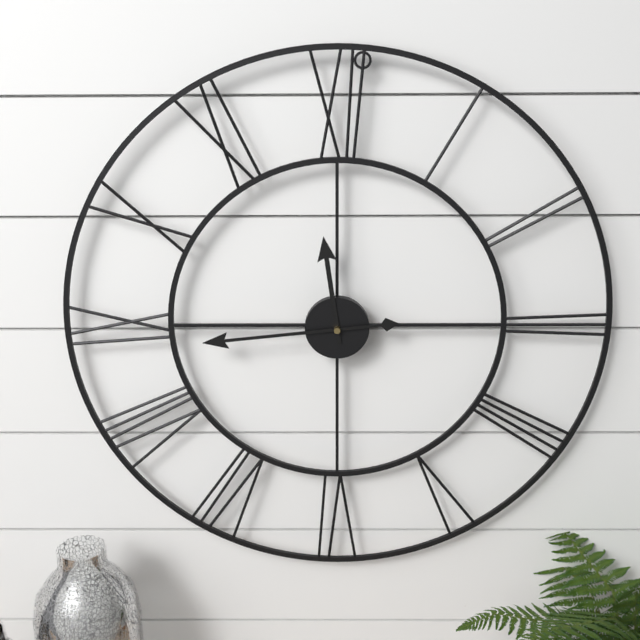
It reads 11h44
